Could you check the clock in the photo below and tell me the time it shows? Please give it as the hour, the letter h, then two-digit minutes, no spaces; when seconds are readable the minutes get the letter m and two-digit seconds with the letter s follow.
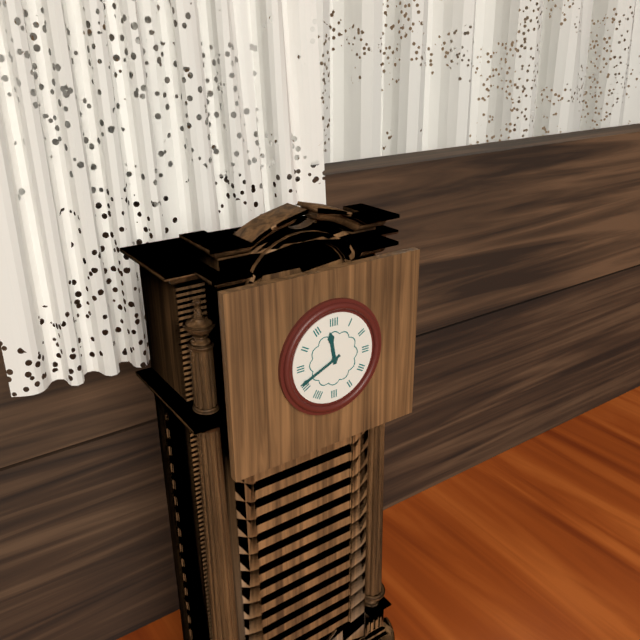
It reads 11h41
